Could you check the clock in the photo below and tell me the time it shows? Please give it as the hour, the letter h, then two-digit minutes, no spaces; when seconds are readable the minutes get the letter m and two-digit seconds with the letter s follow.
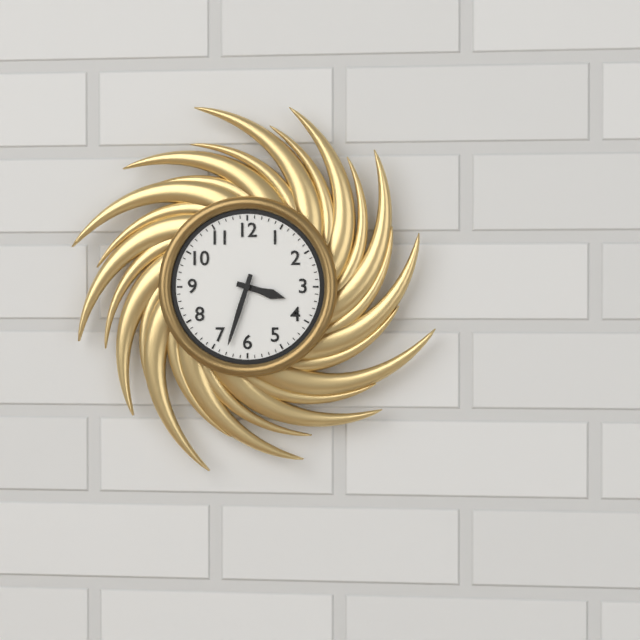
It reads 3h33
